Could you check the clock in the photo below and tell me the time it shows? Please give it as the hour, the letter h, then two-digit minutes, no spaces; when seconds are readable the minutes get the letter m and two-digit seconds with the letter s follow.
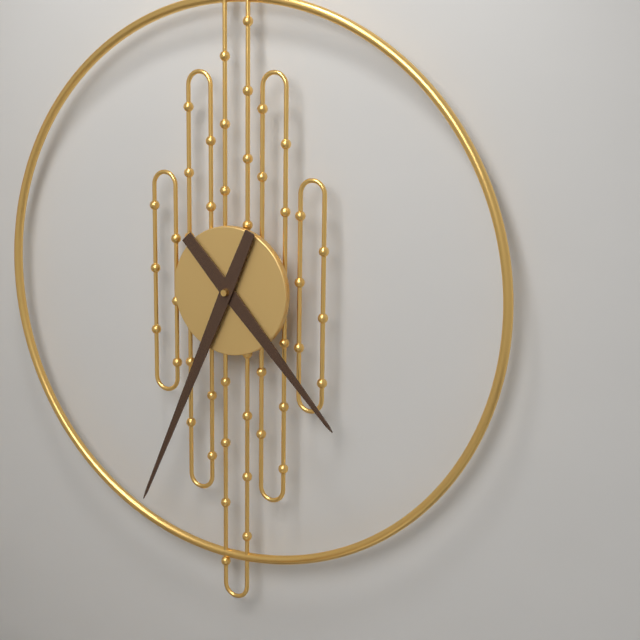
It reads 4h34
